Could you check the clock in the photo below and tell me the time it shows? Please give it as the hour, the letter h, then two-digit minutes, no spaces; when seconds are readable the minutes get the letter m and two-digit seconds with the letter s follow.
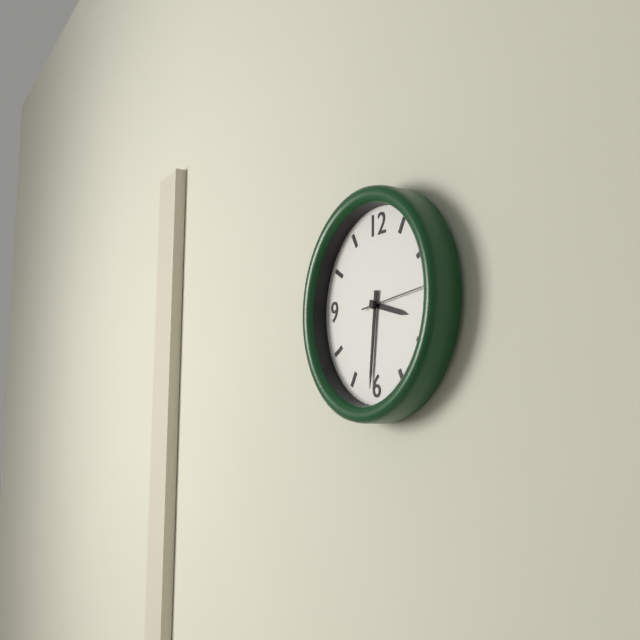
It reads 3h31m14s
